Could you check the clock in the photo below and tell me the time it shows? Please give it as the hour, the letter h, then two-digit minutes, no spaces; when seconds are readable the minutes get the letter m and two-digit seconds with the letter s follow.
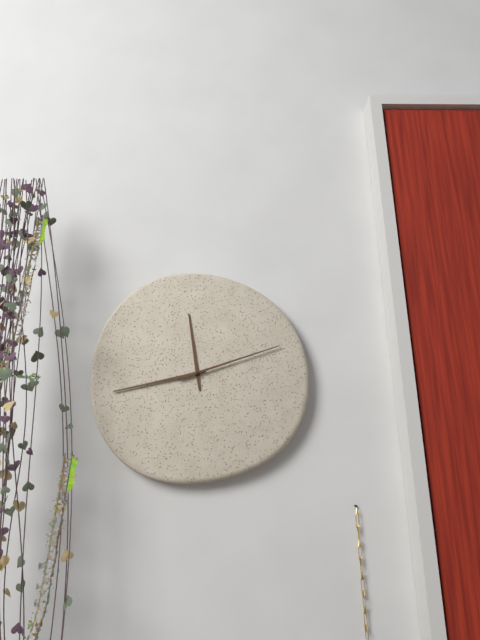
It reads 11h43m12s
